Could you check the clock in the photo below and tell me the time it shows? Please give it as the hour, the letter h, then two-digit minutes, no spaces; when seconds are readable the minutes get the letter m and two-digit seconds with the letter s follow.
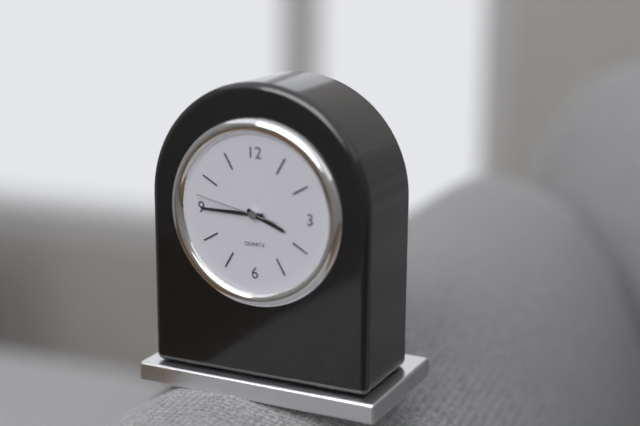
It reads 3h45m47s
